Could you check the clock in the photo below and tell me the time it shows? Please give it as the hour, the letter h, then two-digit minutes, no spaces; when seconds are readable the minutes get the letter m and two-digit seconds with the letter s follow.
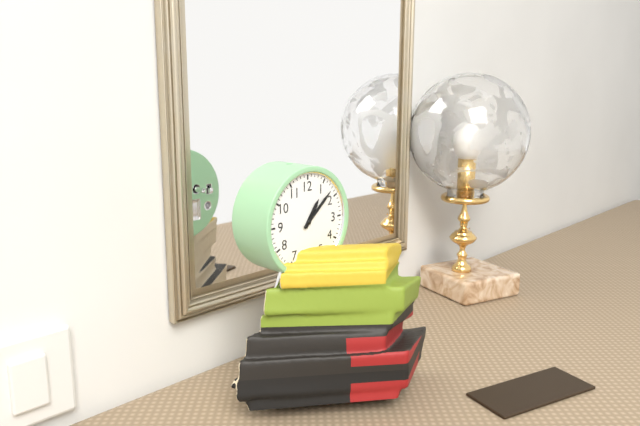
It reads 1h08
